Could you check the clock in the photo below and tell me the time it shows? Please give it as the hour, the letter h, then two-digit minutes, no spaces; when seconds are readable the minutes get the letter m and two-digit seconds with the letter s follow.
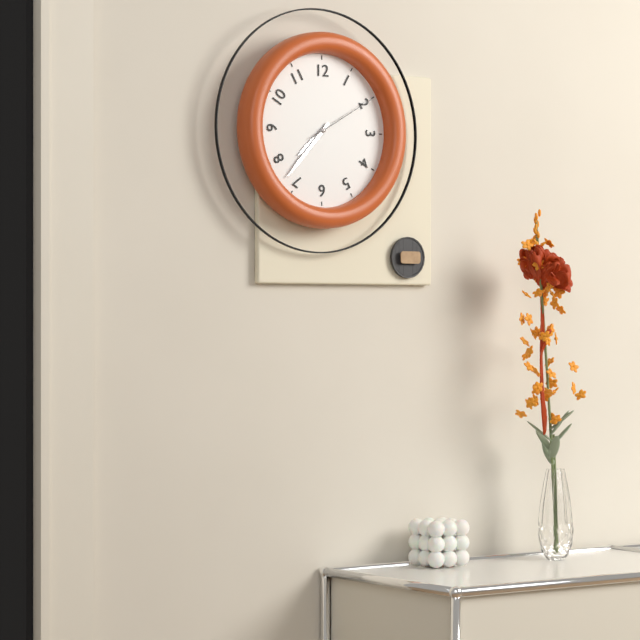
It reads 7h37m10s
